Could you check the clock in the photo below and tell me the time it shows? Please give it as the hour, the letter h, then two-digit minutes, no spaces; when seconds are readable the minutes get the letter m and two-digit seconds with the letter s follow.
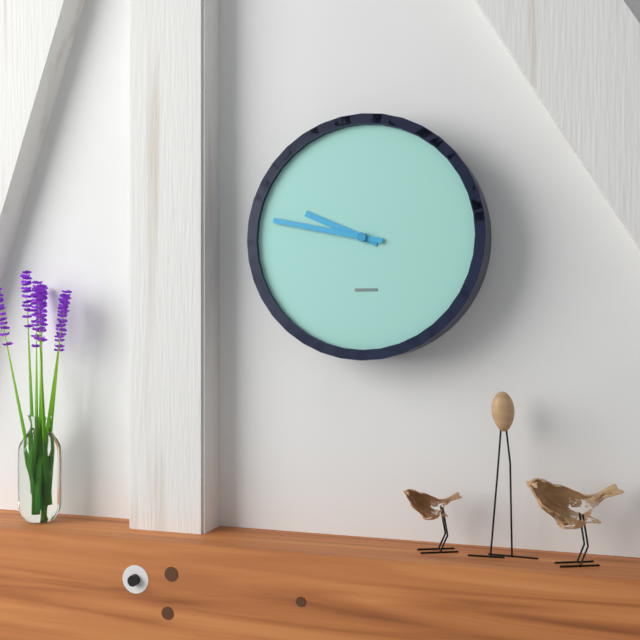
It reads 9h47
